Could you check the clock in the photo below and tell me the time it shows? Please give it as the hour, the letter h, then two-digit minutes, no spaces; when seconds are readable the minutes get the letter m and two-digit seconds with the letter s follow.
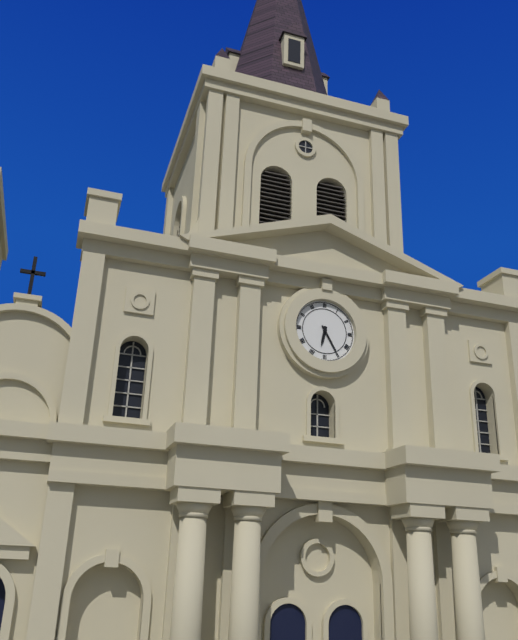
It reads 6h25
